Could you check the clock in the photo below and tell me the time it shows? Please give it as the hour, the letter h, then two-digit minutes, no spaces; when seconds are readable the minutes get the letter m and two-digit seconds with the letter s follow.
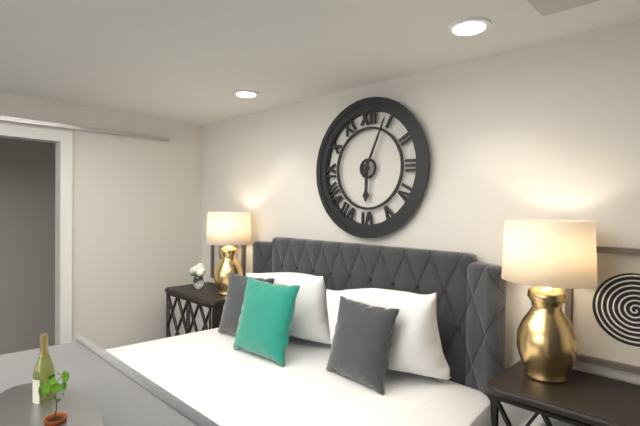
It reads 6h04
